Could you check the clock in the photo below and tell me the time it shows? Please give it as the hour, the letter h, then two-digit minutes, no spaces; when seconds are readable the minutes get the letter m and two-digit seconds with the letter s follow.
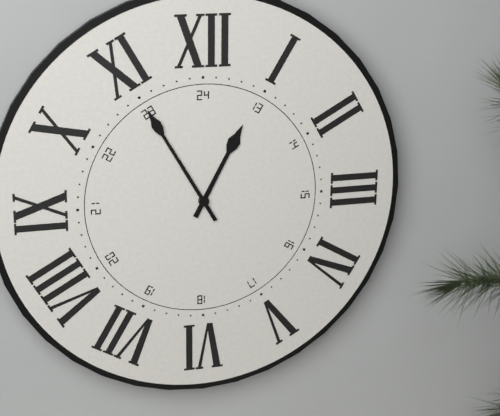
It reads 12h55
